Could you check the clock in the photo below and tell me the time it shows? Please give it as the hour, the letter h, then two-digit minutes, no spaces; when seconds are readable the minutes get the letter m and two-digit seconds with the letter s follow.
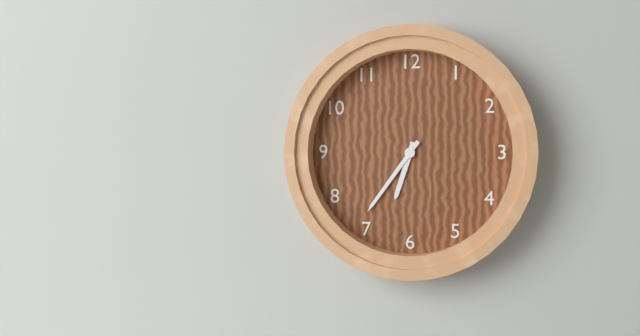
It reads 6h36
